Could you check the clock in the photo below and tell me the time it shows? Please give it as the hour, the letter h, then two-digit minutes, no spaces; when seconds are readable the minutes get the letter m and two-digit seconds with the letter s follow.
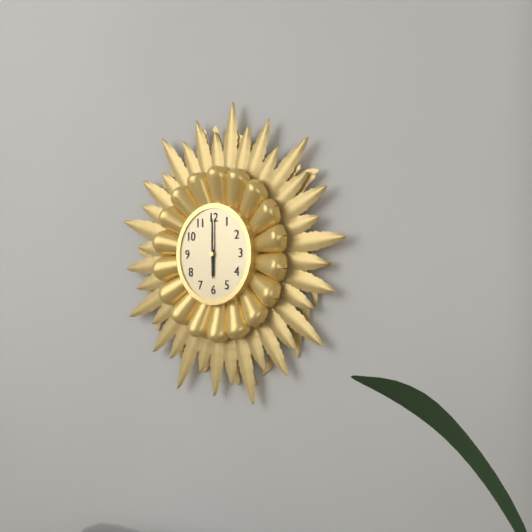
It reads 6h00
